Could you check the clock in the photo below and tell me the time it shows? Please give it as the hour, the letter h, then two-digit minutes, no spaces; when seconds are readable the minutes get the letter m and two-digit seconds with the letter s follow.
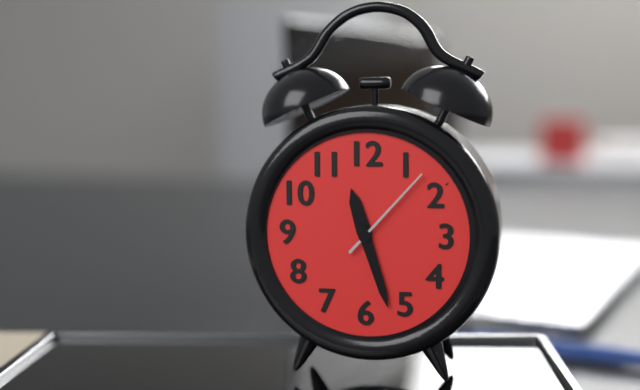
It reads 11h27m07s
